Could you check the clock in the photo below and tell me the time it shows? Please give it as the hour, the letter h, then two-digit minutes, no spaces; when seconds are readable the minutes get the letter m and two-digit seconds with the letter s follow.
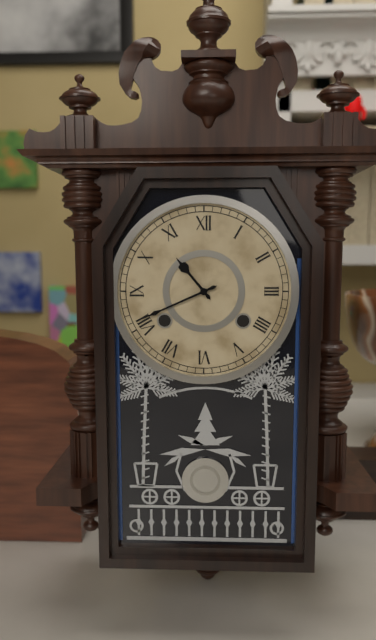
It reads 10h41
